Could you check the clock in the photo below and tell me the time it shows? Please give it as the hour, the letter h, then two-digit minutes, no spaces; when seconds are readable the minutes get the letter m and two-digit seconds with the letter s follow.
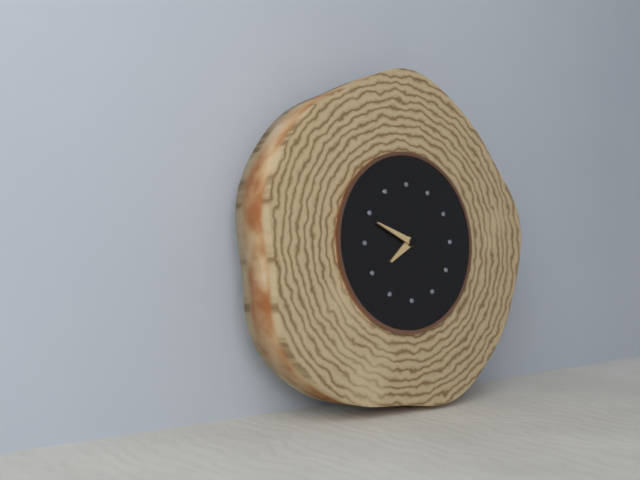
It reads 7h49
